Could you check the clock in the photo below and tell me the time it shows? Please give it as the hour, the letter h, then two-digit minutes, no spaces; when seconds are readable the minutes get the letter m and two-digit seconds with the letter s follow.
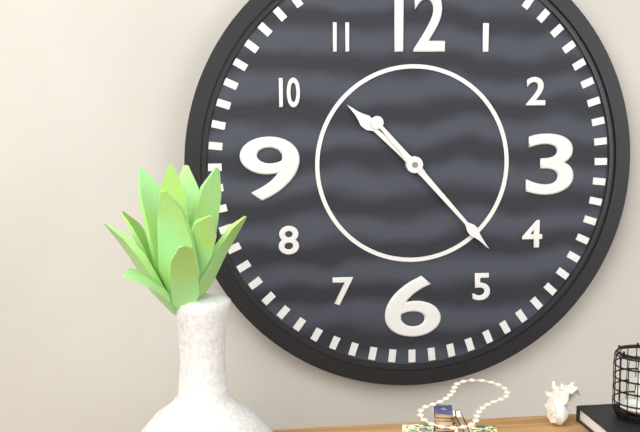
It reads 10h23
